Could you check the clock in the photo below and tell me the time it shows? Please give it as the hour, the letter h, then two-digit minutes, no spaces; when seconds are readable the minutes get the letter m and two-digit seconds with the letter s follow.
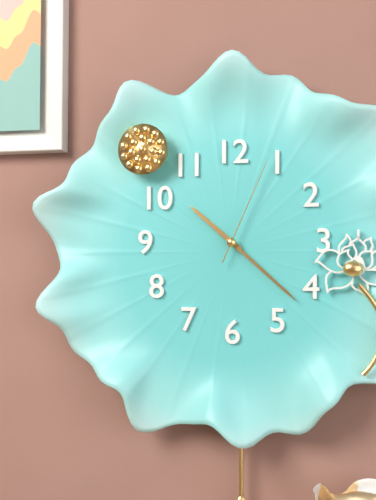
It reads 10h22m04s
